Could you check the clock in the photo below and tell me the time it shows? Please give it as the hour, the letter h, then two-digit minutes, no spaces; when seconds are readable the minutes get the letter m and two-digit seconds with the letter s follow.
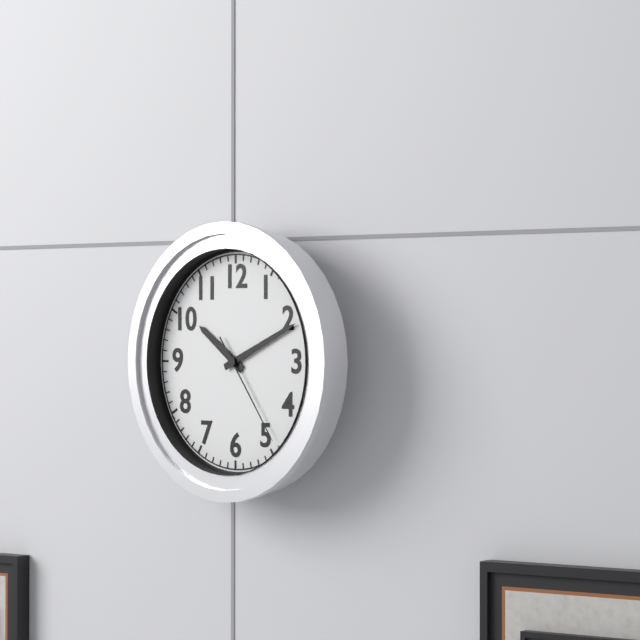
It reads 10h11m24s
